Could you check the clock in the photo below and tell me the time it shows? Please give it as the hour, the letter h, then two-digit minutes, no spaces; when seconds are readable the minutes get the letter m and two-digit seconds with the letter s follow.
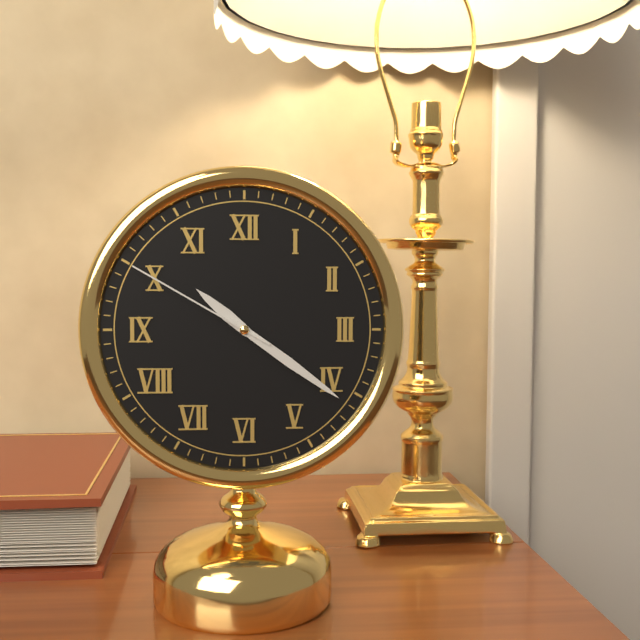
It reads 10h21m50s
